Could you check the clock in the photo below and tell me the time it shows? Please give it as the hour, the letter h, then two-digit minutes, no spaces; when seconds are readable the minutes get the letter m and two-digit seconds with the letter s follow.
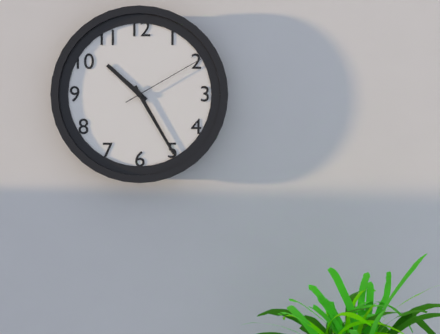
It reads 10h25m10s
